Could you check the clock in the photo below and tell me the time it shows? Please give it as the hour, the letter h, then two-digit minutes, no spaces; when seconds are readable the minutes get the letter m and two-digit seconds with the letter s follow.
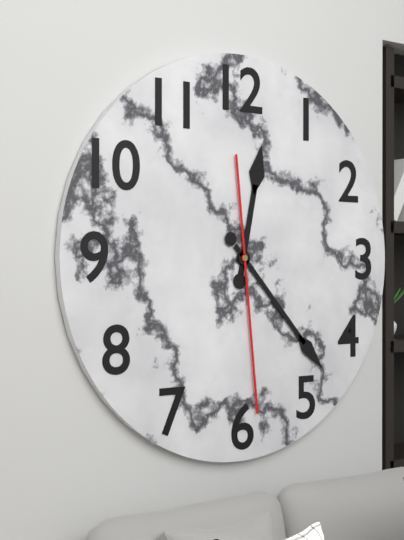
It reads 12h23m29s
